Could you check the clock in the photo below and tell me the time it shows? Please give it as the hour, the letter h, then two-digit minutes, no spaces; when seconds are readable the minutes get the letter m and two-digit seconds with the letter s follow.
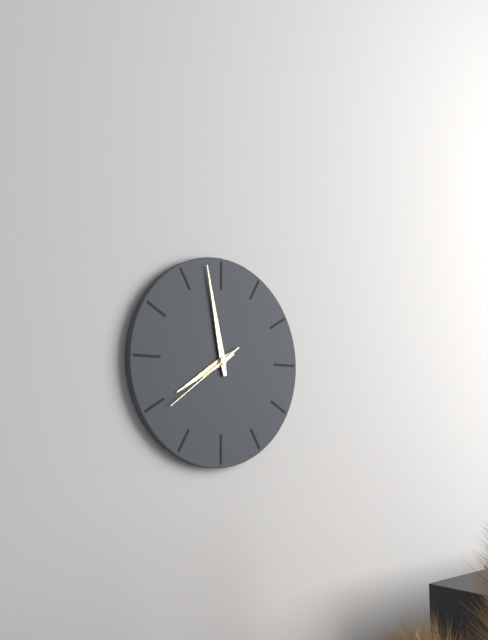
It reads 7h58m39s
